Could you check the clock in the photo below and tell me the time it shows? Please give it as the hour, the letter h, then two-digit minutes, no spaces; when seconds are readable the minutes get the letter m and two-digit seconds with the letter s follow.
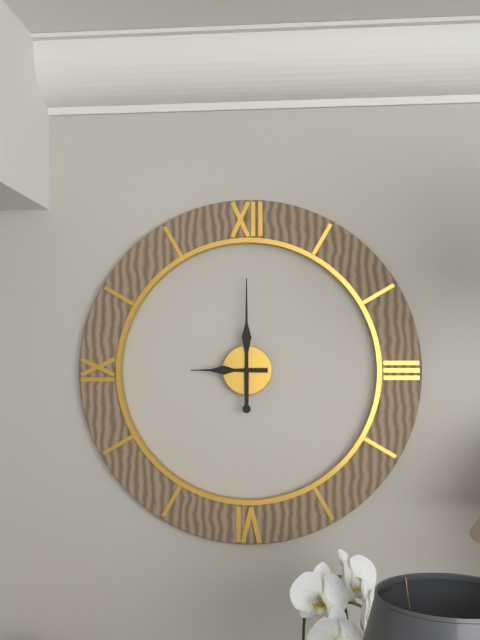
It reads 9h00
